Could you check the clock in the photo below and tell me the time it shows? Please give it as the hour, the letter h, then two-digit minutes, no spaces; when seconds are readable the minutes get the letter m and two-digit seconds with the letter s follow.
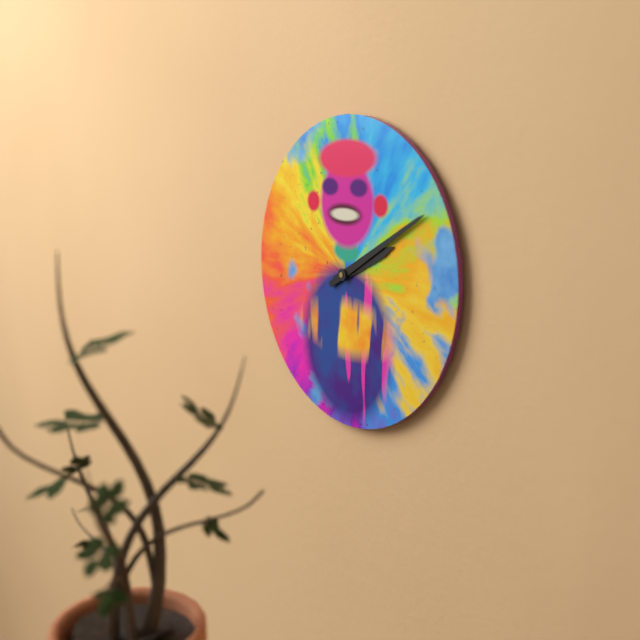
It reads 2h10
